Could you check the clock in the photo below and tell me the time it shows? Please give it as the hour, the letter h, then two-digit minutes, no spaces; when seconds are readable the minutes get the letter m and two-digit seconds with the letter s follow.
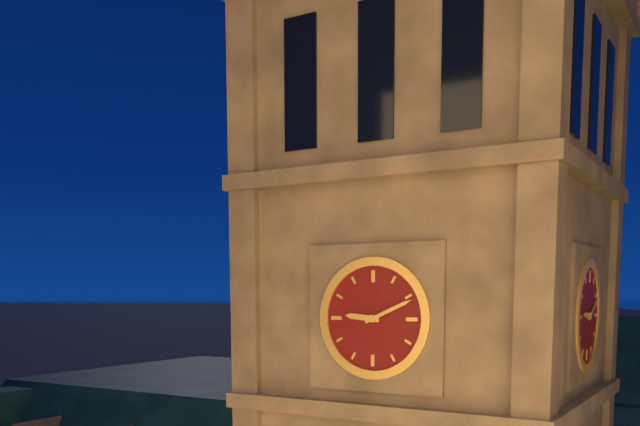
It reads 9h11
